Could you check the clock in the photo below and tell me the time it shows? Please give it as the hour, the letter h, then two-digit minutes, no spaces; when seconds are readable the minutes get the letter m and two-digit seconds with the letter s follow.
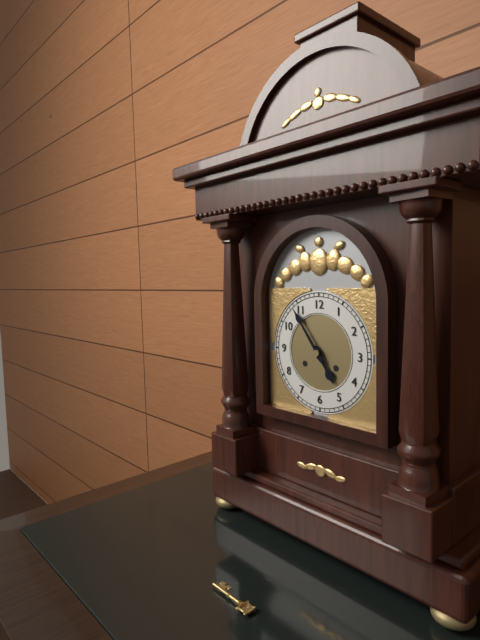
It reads 4h54
